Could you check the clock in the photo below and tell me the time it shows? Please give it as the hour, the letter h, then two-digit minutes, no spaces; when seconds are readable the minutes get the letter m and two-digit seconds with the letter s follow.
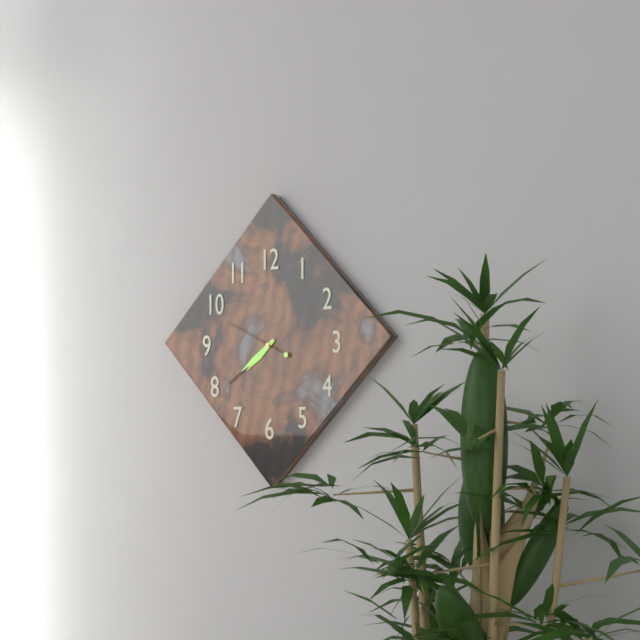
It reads 7h39m49s
